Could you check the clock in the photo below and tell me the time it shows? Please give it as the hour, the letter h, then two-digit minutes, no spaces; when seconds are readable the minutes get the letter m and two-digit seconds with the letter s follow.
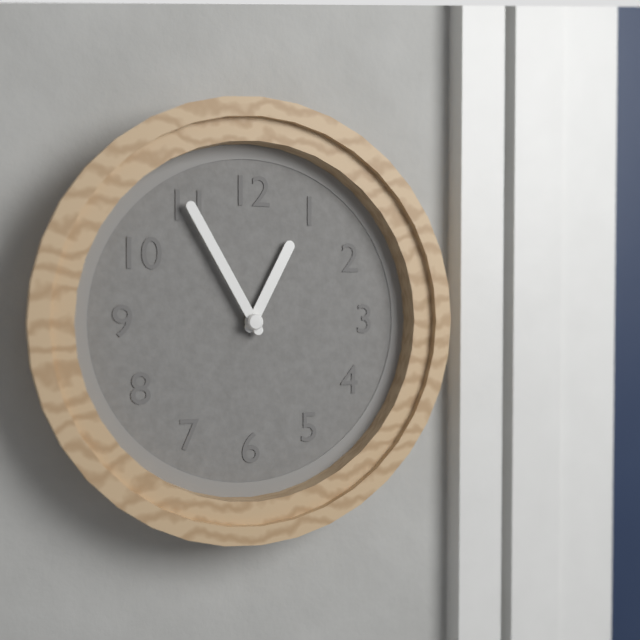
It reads 12h55
